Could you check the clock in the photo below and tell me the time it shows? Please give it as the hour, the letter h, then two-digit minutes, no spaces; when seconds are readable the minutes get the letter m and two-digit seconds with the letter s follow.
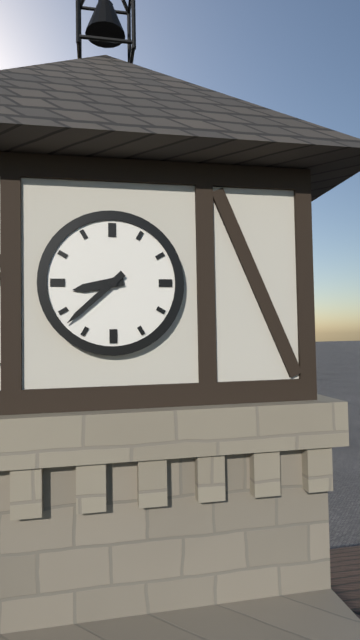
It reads 8h38
